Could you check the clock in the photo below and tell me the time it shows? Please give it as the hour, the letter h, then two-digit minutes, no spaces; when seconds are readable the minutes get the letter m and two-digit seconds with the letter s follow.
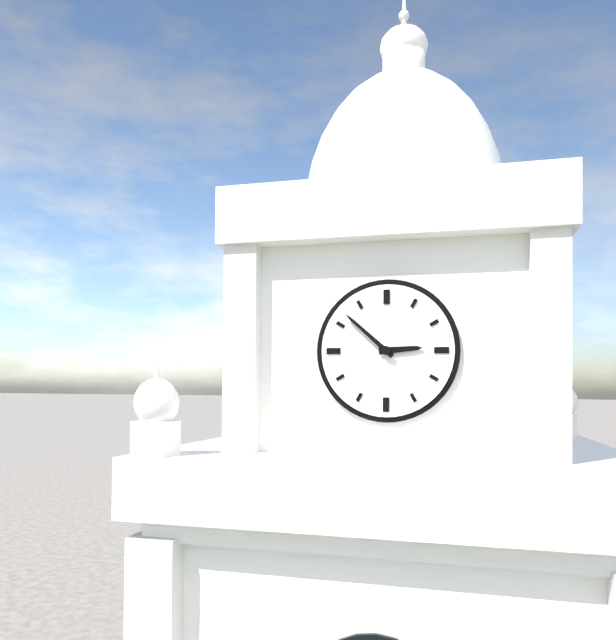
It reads 2h52
